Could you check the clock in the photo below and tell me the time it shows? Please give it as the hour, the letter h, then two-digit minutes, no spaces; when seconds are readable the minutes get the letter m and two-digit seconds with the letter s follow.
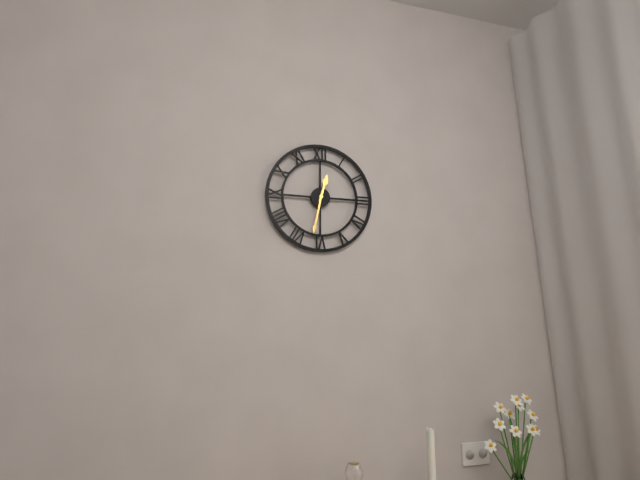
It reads 12h32
